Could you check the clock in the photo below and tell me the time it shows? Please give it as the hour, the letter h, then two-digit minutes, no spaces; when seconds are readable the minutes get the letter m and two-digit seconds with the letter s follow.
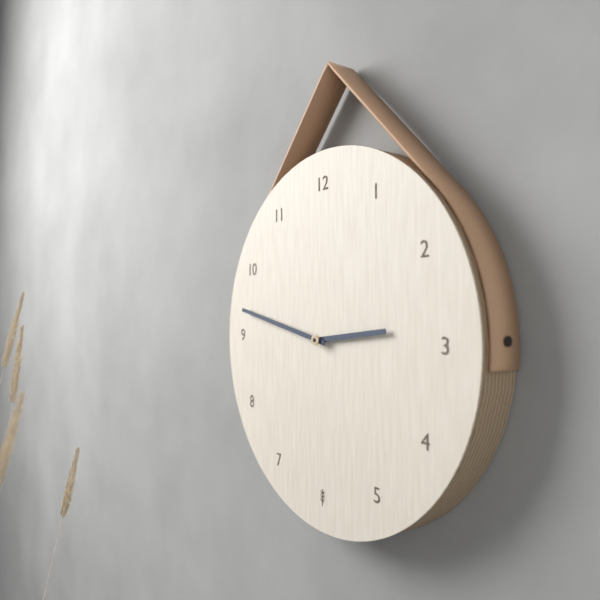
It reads 2h47
